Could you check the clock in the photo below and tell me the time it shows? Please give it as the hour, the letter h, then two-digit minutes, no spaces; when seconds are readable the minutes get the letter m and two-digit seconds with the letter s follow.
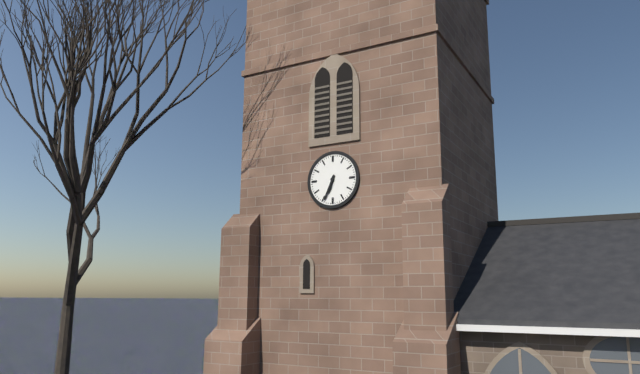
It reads 6h34
